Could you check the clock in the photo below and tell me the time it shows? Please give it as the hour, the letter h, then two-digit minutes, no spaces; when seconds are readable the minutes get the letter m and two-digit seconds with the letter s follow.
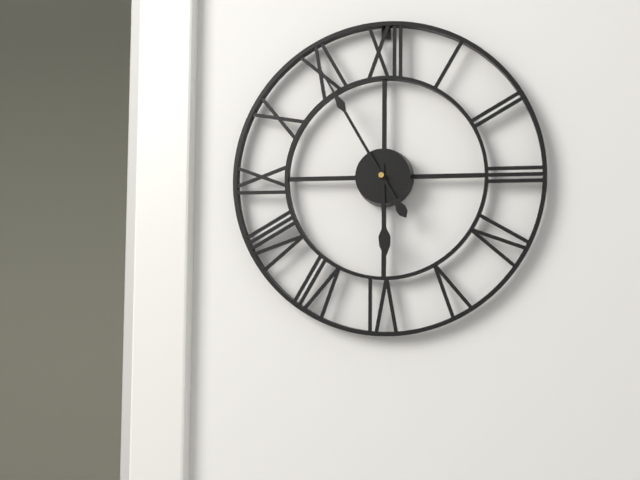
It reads 5h55
